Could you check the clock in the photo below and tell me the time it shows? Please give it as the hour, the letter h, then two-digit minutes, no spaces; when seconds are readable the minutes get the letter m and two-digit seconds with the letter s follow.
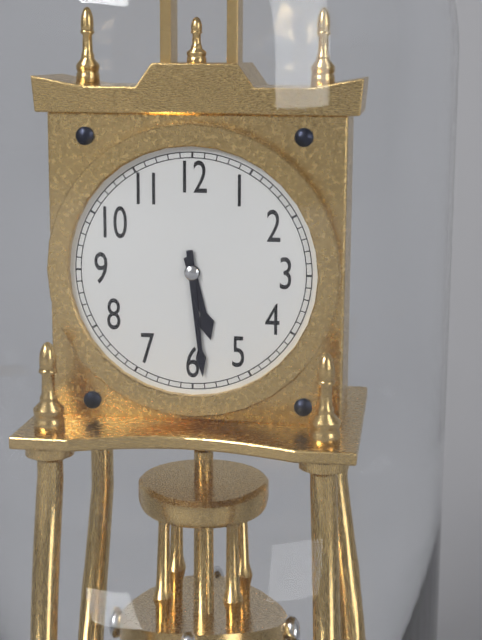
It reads 5h29
